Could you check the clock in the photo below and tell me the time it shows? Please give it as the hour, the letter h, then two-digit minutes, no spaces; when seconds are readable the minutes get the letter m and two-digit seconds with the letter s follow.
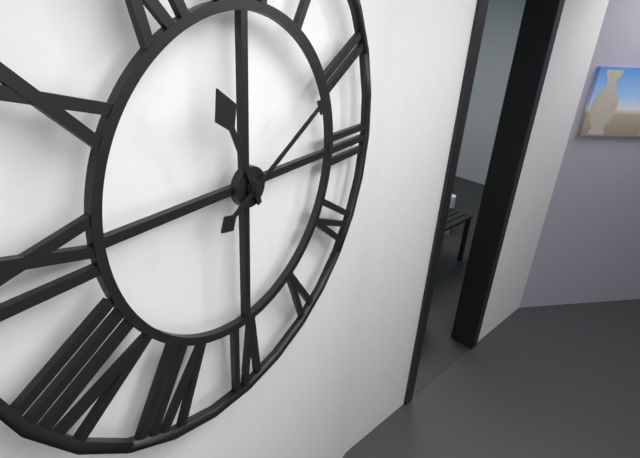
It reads 11h10
